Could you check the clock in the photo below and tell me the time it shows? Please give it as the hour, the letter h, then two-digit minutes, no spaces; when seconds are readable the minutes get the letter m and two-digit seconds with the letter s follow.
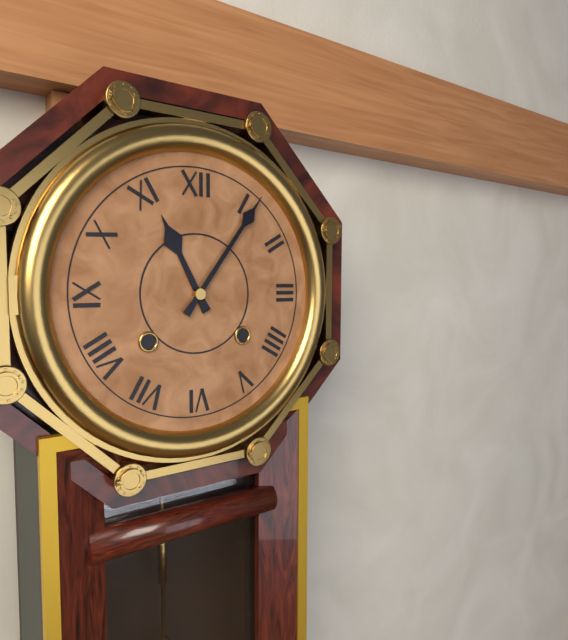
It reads 11h06
